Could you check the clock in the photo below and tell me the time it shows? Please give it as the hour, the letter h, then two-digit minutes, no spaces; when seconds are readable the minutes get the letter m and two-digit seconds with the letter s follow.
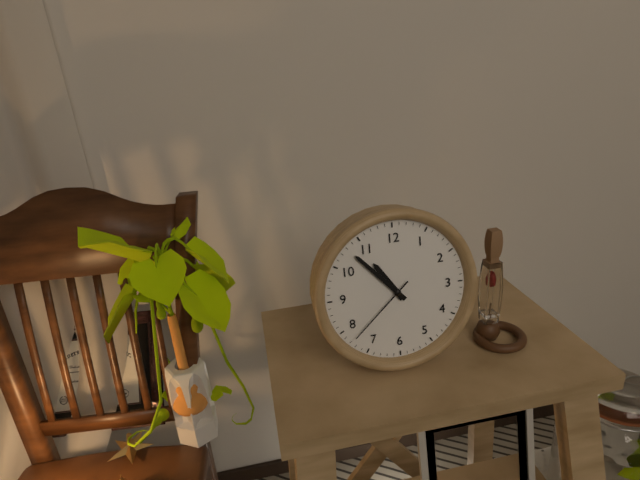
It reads 10h53m38s
